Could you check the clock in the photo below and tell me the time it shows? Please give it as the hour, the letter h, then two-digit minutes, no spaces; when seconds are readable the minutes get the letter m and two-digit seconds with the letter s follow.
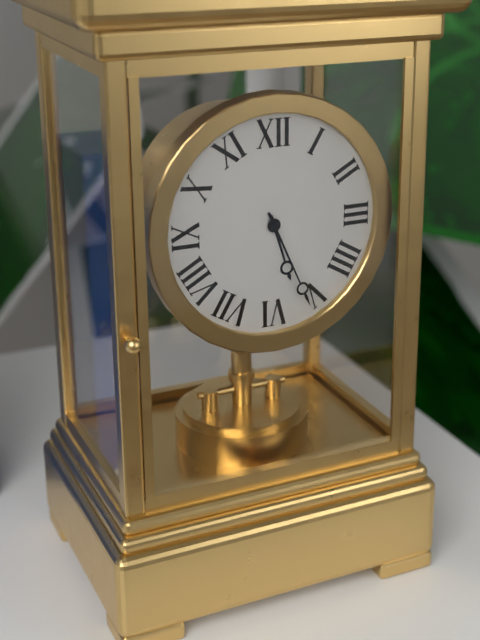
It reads 5h26
